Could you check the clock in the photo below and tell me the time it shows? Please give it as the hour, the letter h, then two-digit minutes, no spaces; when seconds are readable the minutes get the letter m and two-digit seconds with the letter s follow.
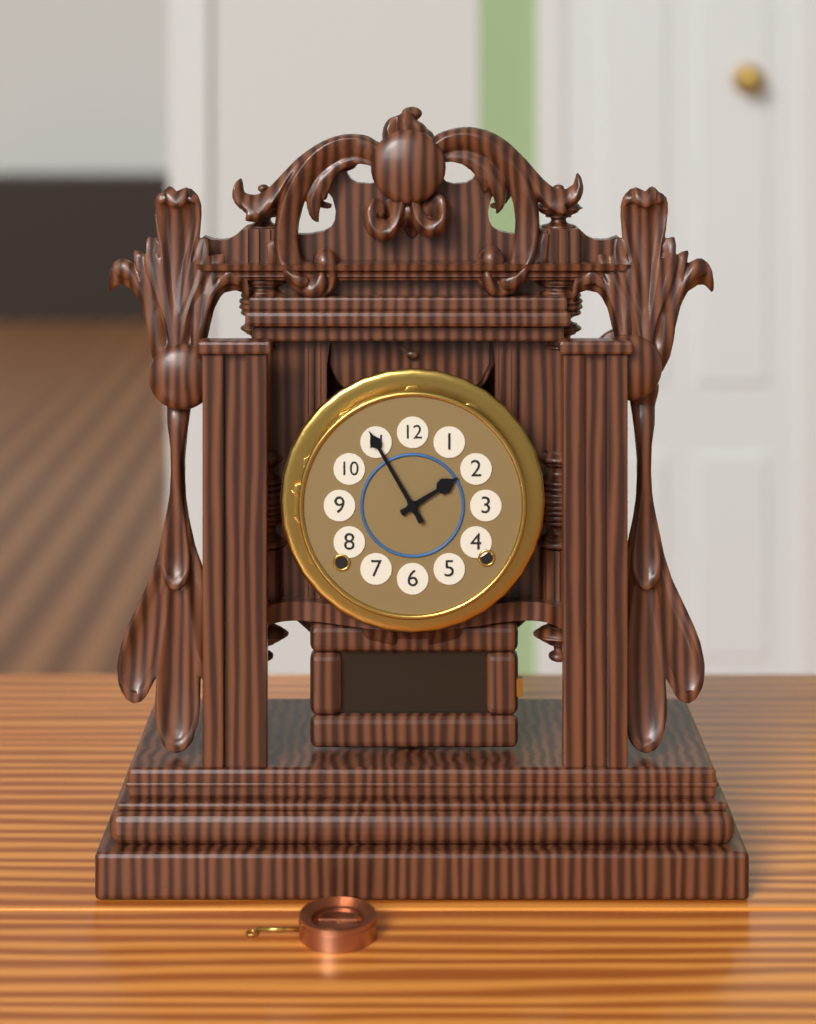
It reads 1h55
